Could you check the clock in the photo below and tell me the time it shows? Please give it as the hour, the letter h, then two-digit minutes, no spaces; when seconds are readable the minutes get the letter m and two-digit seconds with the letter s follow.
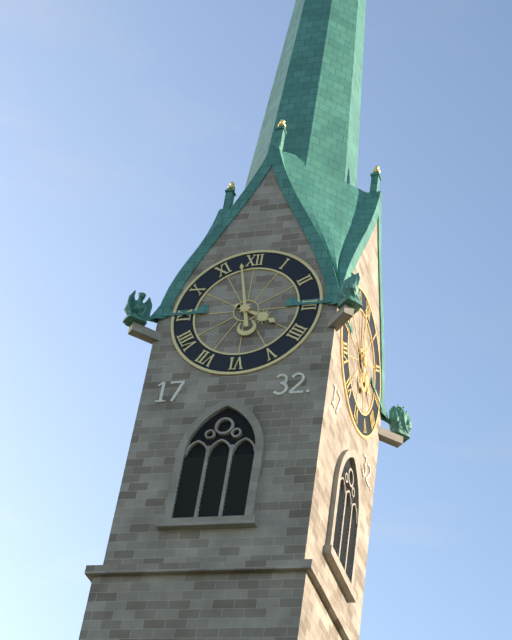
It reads 3h58
